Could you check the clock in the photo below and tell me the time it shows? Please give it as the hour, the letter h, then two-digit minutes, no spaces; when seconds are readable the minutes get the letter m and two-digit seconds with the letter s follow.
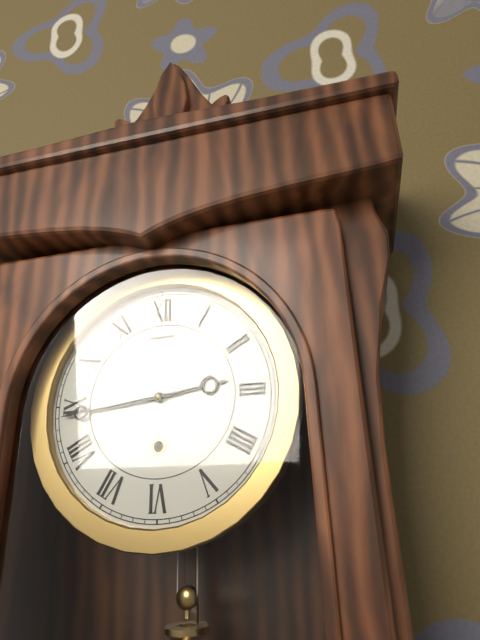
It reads 2h44
